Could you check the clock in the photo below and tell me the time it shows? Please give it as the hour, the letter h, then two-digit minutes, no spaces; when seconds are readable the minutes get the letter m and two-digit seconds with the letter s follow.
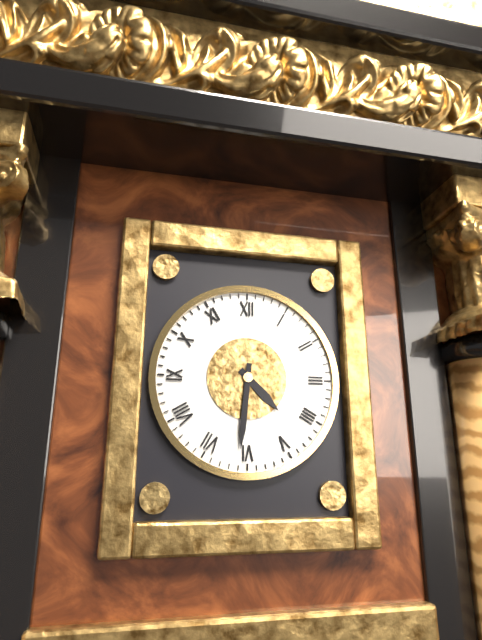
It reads 4h31
